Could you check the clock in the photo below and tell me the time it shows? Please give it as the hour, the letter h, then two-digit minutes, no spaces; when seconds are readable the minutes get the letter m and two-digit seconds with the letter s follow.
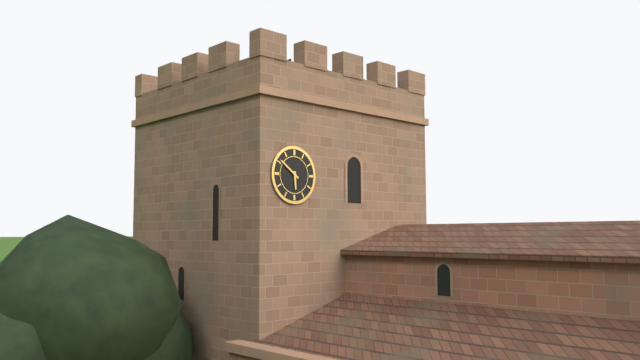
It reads 5h51
